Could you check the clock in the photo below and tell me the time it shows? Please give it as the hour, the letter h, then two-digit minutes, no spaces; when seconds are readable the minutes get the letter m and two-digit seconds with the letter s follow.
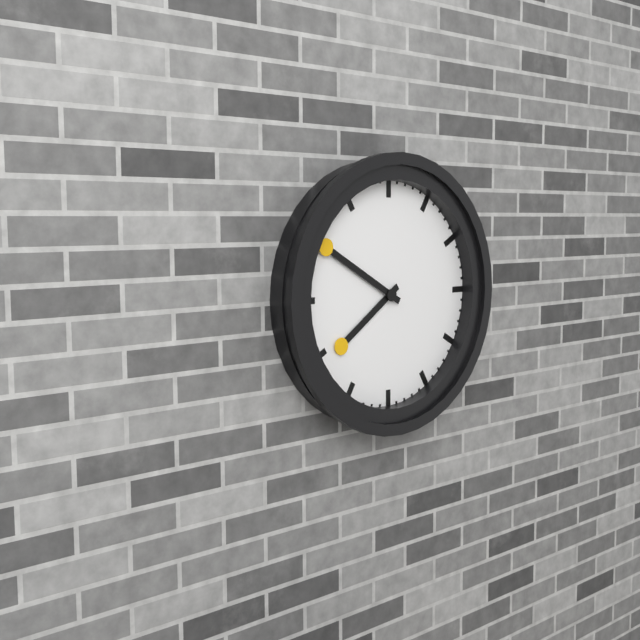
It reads 7h50
